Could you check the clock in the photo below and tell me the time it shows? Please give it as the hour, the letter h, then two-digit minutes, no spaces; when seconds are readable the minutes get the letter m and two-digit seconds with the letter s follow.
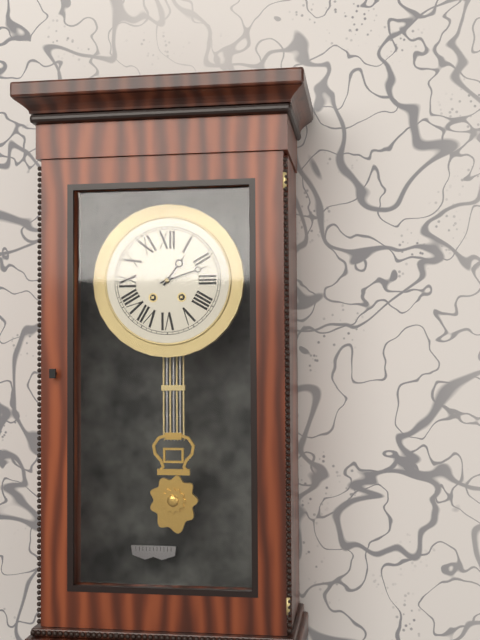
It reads 1h12
